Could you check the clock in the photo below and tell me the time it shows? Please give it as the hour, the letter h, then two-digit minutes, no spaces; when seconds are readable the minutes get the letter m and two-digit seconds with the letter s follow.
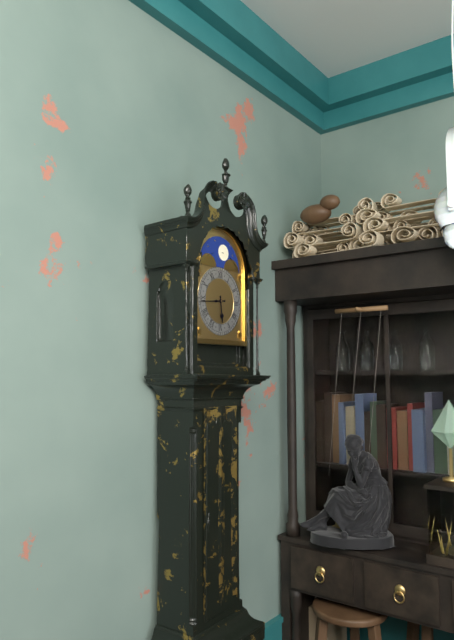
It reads 5h44
